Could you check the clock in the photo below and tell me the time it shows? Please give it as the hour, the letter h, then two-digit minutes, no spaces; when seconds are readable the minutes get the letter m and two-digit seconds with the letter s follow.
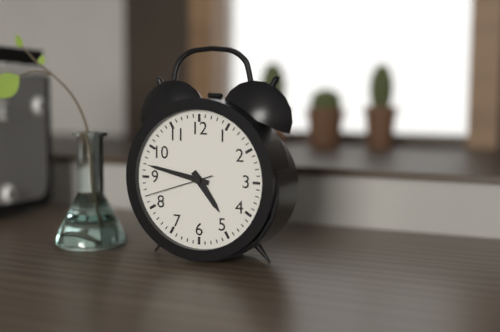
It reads 4h47m42s
